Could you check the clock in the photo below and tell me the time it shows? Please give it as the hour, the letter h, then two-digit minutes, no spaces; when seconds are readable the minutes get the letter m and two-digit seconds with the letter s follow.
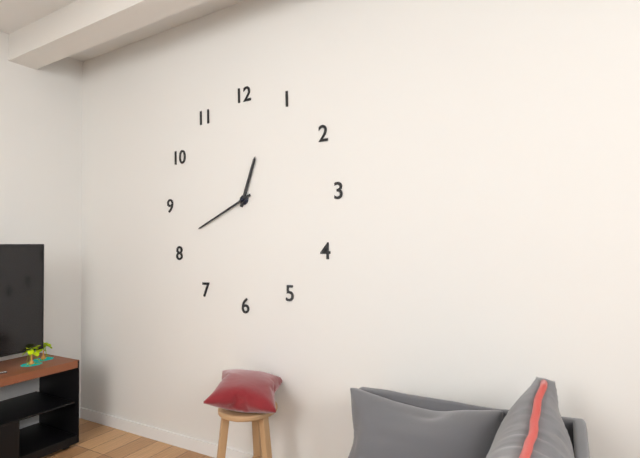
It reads 12h41
